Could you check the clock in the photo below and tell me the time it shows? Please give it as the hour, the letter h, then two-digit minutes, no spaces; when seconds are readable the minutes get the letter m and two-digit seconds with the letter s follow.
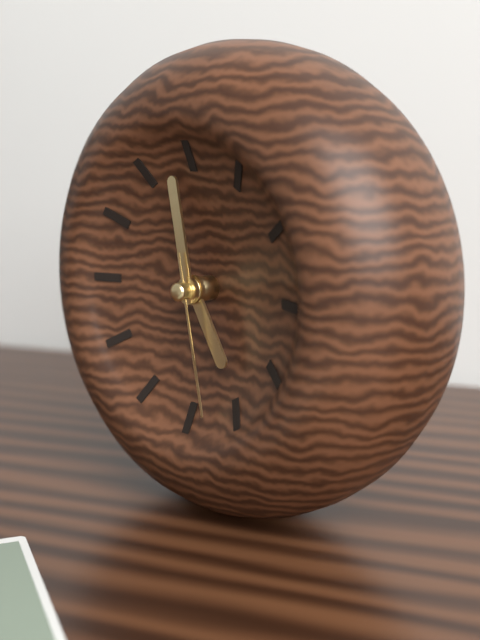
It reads 4h58m28s
